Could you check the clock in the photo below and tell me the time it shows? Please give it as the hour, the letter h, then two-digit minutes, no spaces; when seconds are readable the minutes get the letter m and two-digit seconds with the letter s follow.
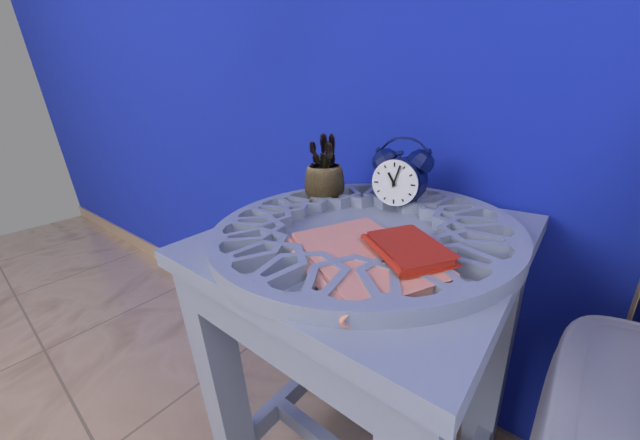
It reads 11h03
